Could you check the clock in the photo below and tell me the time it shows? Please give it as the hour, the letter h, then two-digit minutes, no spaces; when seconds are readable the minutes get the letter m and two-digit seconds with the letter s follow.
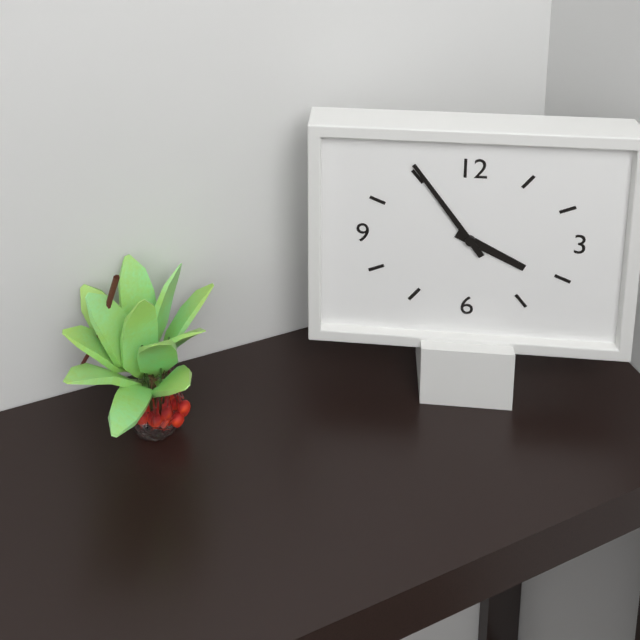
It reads 3h54
